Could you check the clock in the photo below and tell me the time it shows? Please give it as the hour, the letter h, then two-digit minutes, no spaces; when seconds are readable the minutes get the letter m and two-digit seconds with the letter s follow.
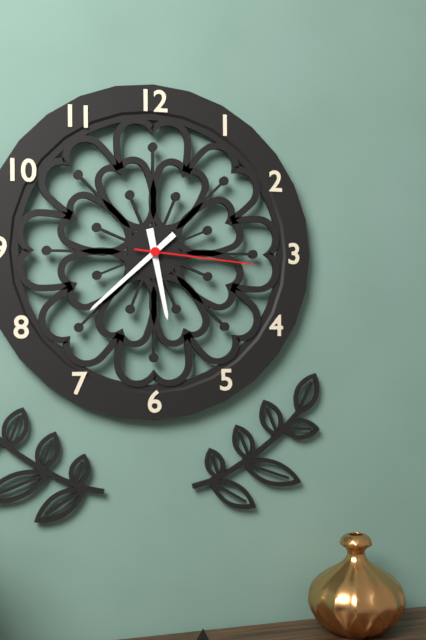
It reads 5h38m16s
